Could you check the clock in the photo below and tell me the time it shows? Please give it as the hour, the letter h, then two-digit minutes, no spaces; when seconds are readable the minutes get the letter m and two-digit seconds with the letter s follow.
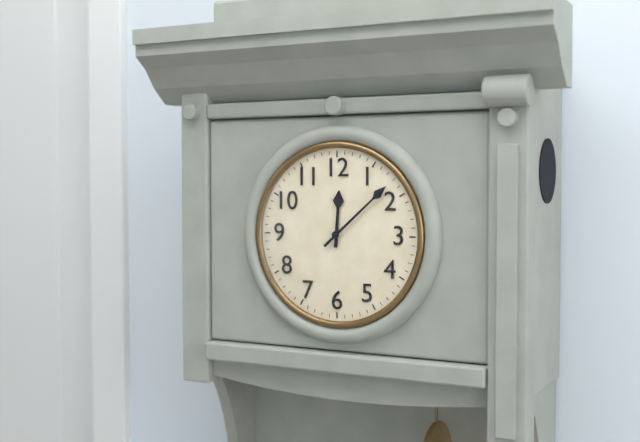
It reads 12h08
